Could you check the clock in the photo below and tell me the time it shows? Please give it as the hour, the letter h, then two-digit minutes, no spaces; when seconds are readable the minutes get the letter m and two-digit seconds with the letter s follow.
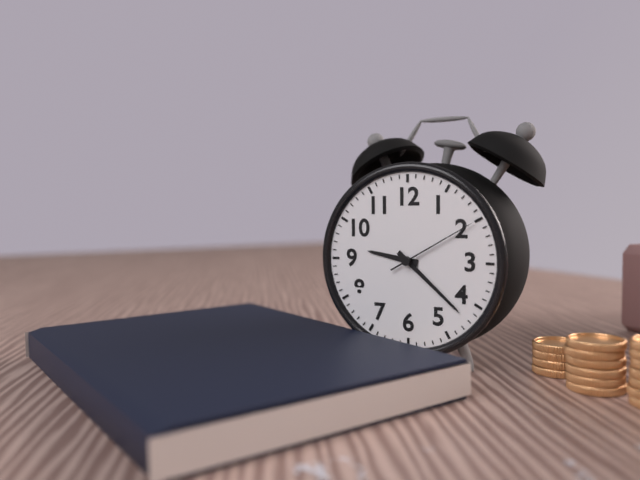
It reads 9h22m10s
